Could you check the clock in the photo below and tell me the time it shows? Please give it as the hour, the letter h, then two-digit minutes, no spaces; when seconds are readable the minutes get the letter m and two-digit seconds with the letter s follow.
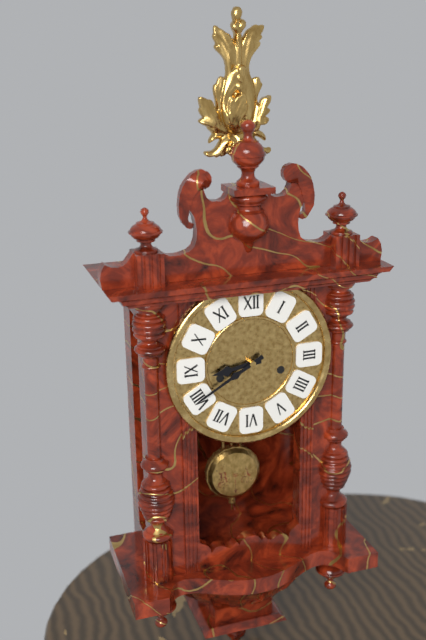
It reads 8h40
